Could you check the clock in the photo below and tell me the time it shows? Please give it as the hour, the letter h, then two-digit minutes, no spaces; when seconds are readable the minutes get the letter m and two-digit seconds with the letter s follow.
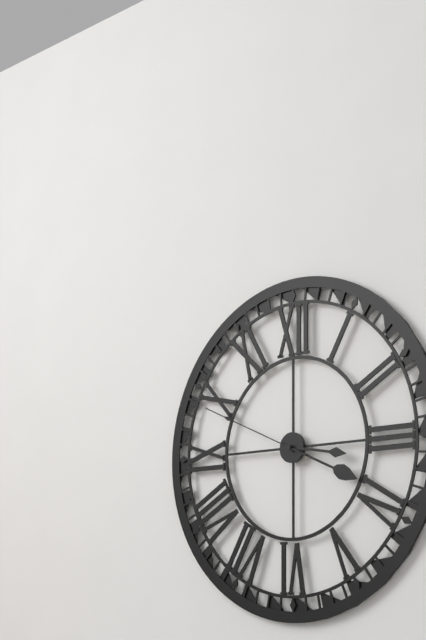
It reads 3h19m49s
